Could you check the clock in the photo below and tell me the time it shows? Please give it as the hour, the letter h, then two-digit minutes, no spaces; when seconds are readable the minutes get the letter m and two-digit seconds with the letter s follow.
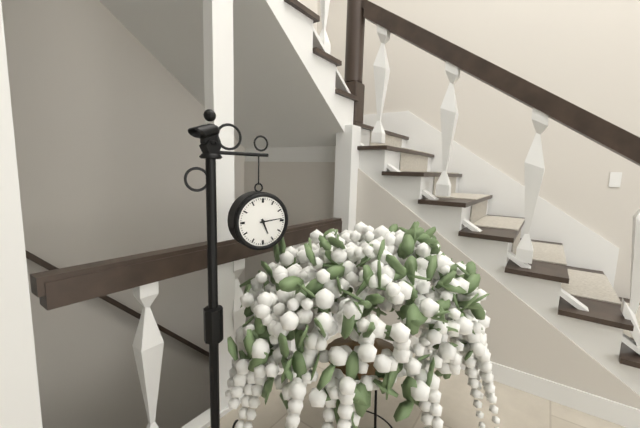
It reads 5h14
